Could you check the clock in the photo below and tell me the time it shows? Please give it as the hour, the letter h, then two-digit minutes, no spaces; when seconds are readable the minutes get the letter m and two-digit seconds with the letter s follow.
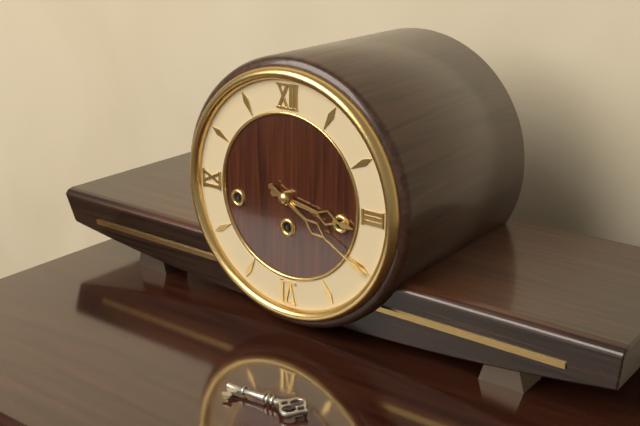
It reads 3h20
